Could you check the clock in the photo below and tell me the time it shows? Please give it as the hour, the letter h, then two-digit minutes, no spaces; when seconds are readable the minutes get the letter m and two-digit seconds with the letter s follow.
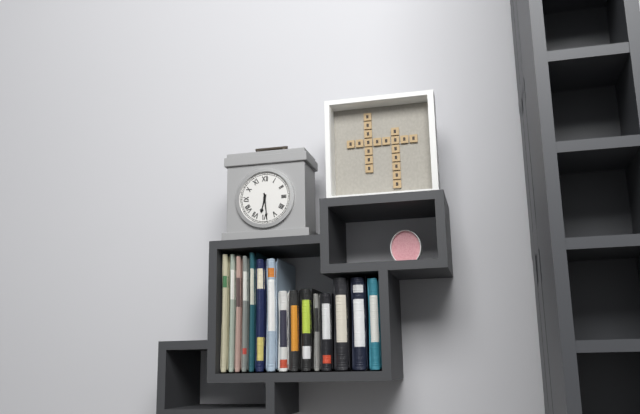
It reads 6h29
